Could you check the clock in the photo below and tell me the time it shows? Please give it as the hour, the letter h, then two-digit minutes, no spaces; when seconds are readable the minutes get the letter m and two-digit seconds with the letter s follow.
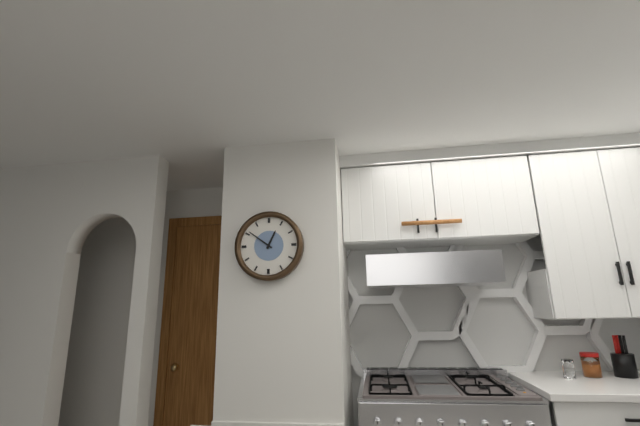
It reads 12h51
